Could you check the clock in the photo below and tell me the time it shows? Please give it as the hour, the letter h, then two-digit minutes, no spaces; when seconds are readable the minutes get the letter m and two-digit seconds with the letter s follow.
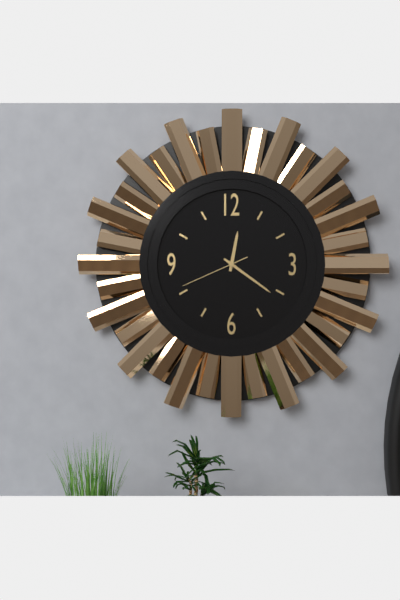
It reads 12h21m41s
